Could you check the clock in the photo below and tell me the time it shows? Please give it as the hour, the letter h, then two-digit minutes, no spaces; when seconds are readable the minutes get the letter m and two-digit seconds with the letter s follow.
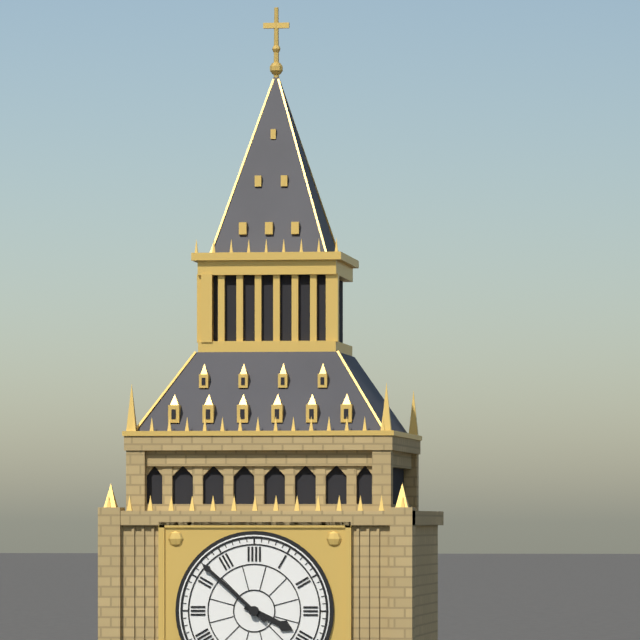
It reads 3h52
